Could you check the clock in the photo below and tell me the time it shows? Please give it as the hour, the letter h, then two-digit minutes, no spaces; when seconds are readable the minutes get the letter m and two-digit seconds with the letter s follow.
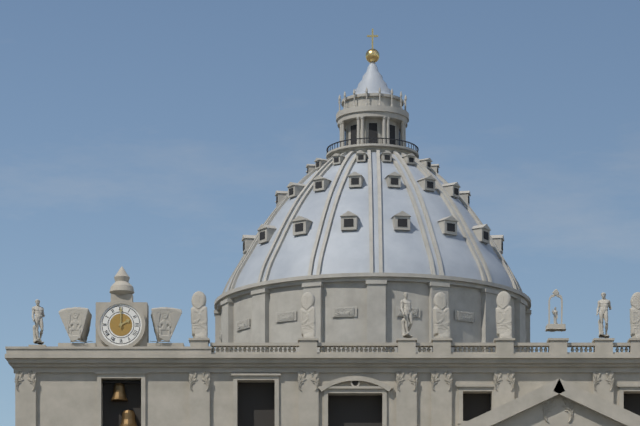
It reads 2h00
